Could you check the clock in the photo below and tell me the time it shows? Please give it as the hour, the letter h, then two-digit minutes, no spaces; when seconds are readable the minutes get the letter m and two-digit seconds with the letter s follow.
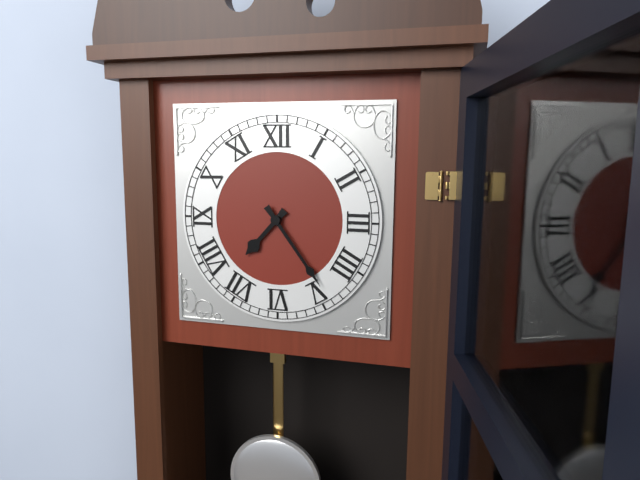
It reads 7h24
